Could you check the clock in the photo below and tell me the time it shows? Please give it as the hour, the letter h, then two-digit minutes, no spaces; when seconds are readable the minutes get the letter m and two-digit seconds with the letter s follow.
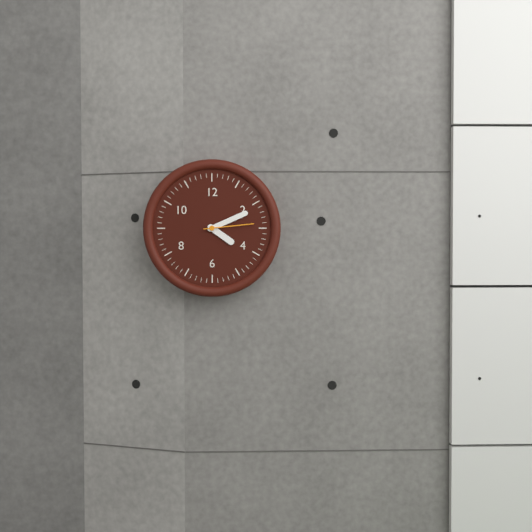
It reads 4h11m14s
